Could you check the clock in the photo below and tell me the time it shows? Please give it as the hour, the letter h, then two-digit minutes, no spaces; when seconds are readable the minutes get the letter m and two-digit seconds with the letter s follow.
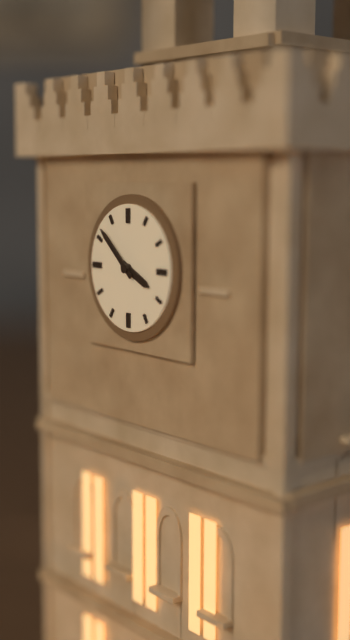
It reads 3h52
